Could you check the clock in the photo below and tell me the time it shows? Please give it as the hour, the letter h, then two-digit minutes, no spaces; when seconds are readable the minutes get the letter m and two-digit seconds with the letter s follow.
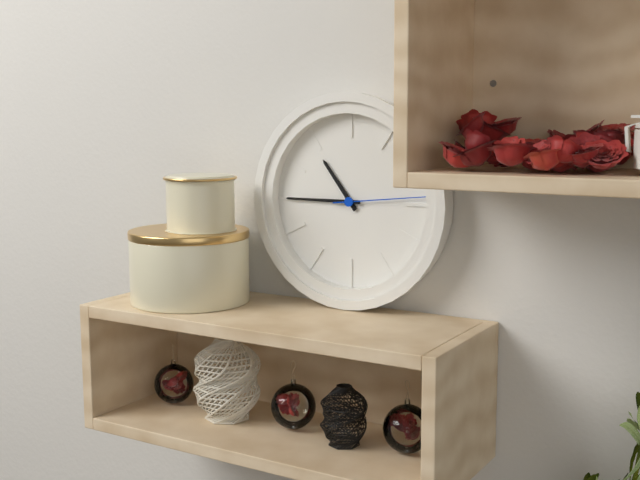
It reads 10h45m14s
